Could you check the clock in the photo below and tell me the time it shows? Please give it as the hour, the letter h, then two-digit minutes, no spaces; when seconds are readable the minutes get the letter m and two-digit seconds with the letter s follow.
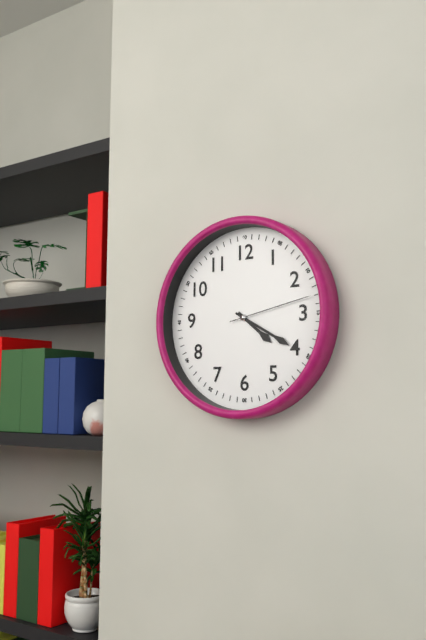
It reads 4h20m13s
